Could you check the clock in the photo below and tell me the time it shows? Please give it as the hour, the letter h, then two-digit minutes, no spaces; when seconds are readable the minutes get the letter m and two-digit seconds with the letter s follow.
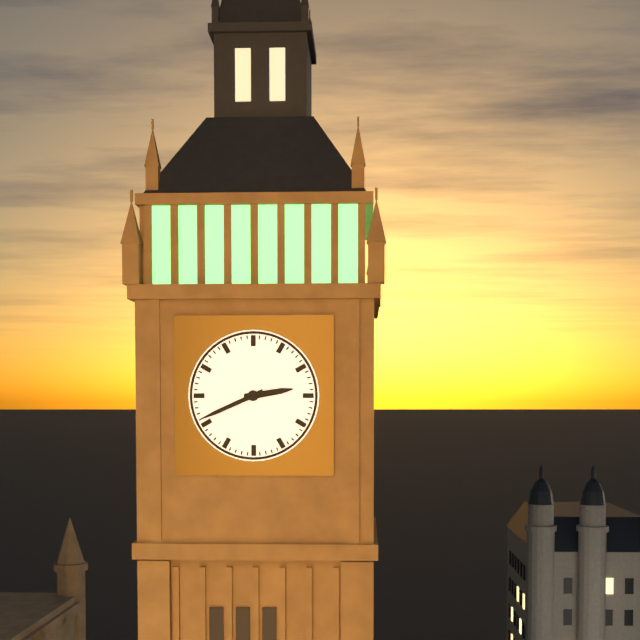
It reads 2h41
